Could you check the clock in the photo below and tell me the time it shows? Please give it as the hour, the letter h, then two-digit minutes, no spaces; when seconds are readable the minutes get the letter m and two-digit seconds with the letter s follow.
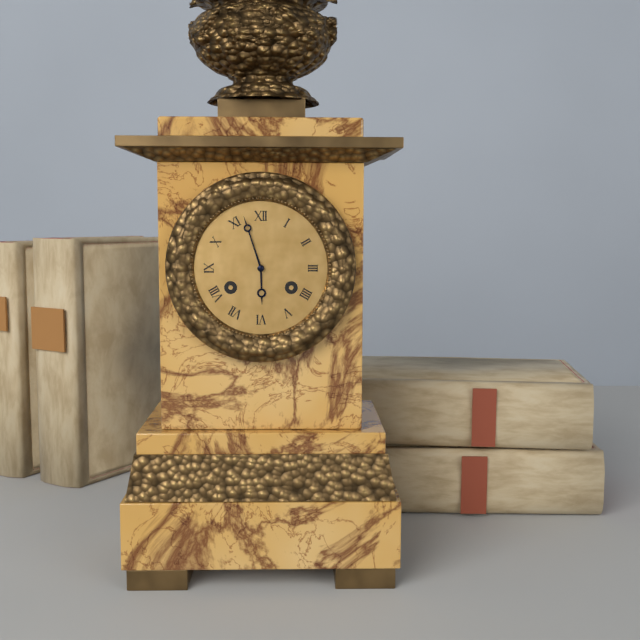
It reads 5h57
